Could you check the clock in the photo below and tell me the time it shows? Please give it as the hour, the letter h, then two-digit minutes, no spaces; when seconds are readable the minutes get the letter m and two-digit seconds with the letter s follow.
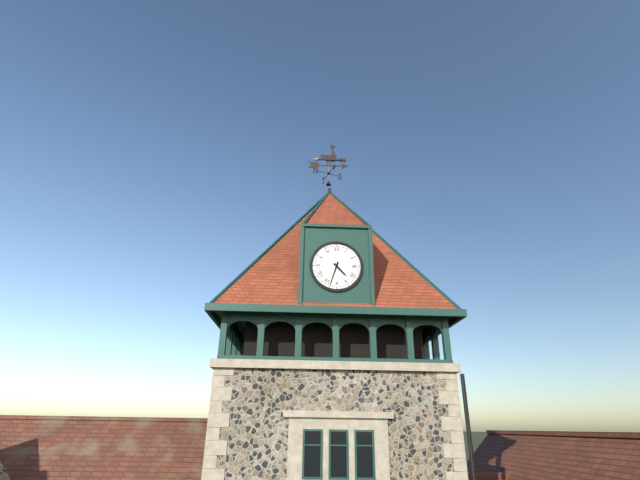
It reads 4h33
